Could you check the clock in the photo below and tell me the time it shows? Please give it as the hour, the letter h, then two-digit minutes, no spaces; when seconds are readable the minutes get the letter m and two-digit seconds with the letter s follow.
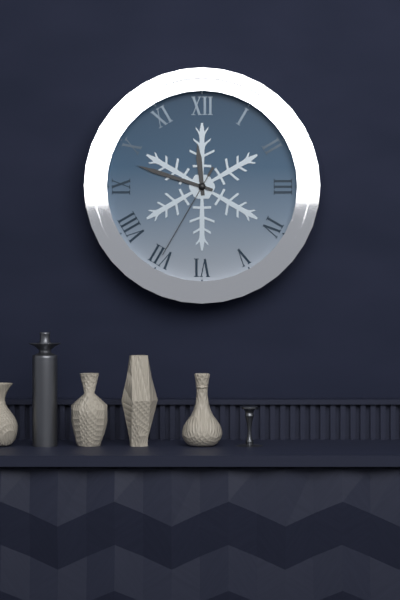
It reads 11h48m35s
